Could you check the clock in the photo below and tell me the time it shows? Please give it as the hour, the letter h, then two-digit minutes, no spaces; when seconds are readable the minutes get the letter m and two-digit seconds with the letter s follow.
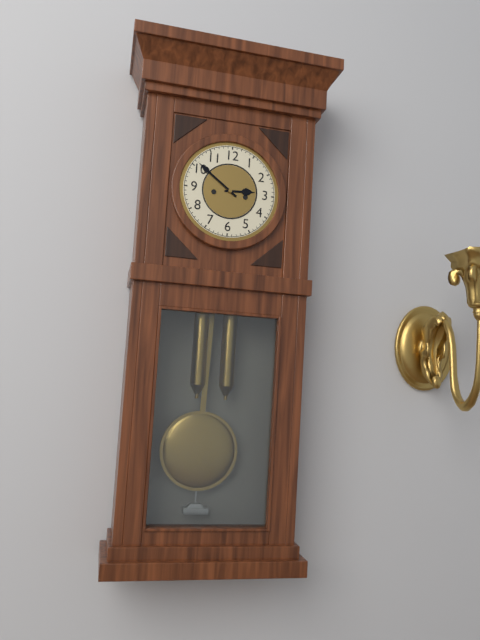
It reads 2h51
